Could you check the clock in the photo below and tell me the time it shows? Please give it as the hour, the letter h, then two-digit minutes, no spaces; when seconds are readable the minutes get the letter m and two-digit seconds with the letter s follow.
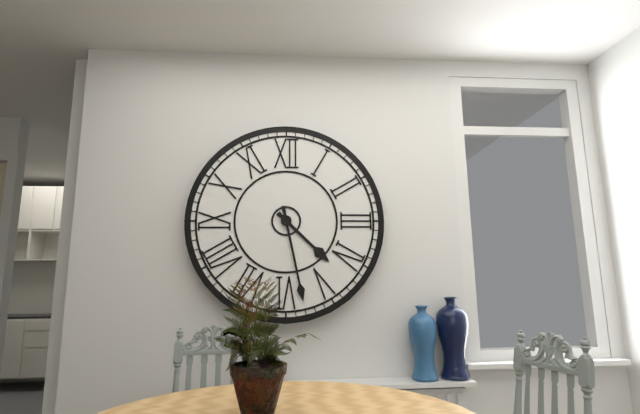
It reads 4h28
